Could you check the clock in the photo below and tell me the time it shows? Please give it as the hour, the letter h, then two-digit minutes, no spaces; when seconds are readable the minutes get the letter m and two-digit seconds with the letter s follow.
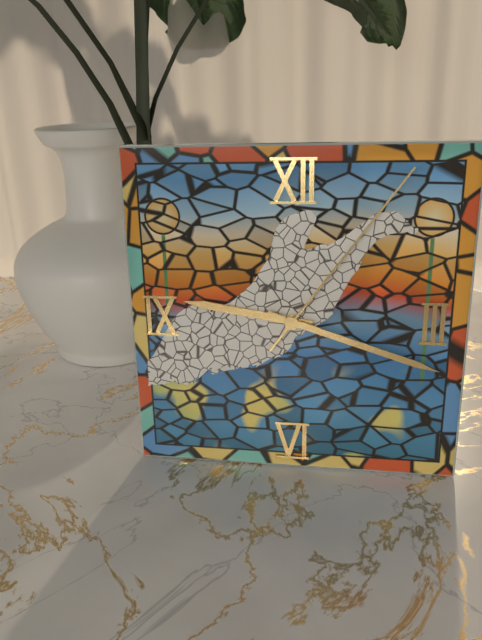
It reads 9h18m06s
